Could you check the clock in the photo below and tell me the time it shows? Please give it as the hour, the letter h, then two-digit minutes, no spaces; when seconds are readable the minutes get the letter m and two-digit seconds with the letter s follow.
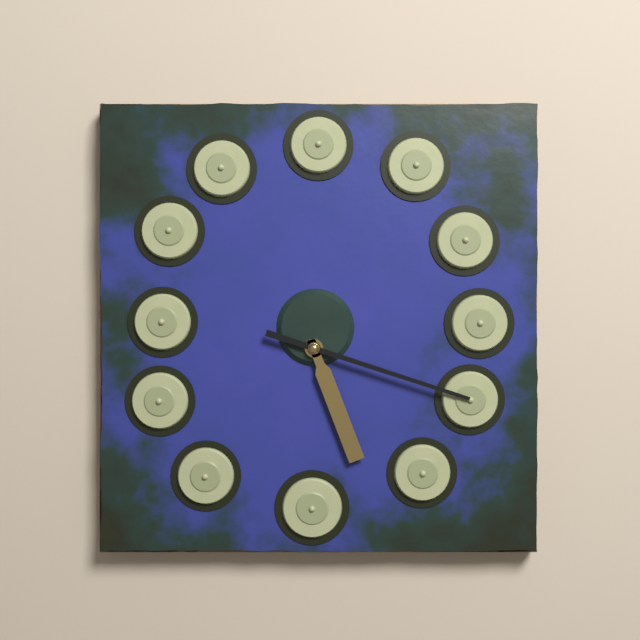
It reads 5h18
